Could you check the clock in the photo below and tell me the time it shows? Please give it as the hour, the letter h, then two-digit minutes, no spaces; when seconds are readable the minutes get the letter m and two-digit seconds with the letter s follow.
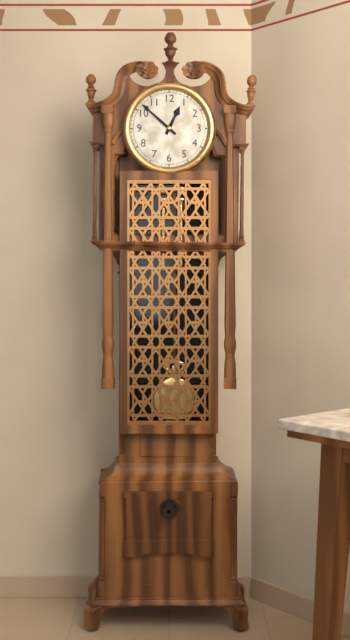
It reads 12h52
